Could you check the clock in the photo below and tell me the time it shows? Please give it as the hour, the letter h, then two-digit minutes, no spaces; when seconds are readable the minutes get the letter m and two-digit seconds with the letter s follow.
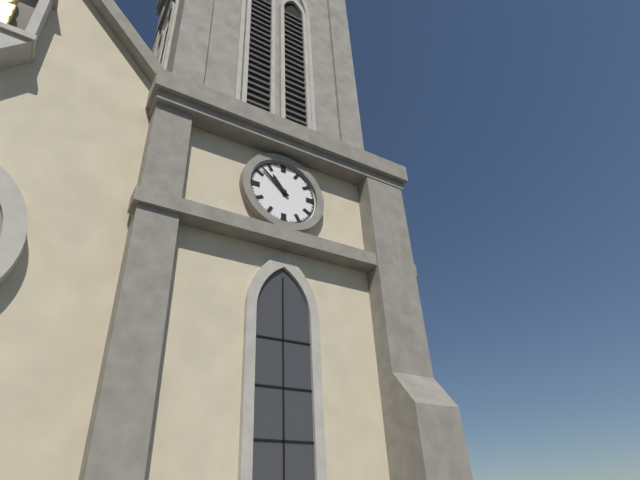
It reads 10h52
